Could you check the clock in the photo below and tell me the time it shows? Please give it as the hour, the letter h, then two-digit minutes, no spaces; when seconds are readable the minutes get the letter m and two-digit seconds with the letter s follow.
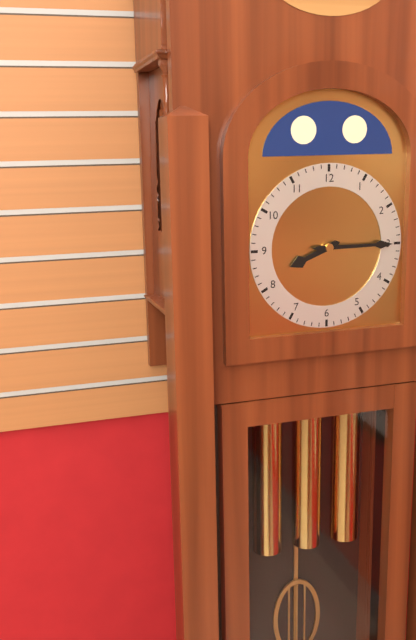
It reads 8h15
